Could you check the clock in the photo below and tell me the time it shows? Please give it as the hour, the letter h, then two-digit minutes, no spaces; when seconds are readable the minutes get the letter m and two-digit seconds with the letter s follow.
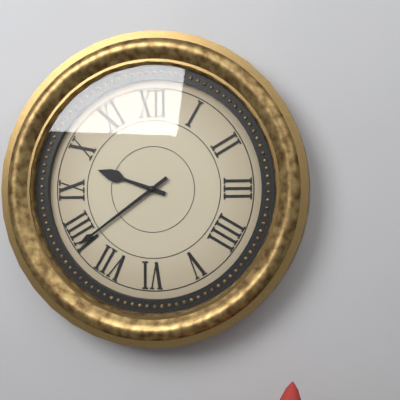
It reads 9h39
